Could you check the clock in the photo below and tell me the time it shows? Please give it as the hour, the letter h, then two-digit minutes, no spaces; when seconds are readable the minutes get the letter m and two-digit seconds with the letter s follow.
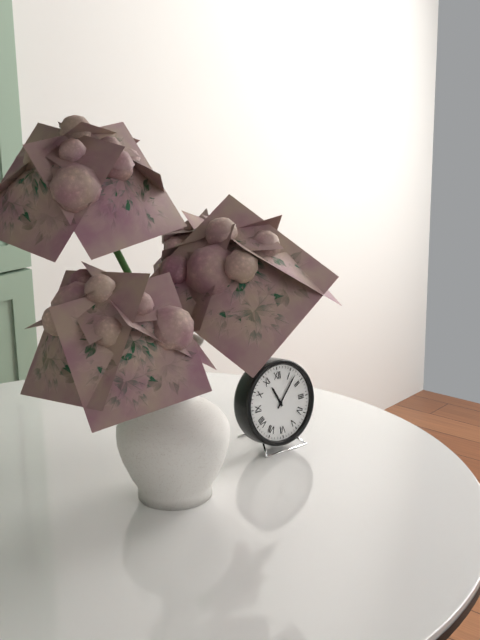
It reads 11h07
